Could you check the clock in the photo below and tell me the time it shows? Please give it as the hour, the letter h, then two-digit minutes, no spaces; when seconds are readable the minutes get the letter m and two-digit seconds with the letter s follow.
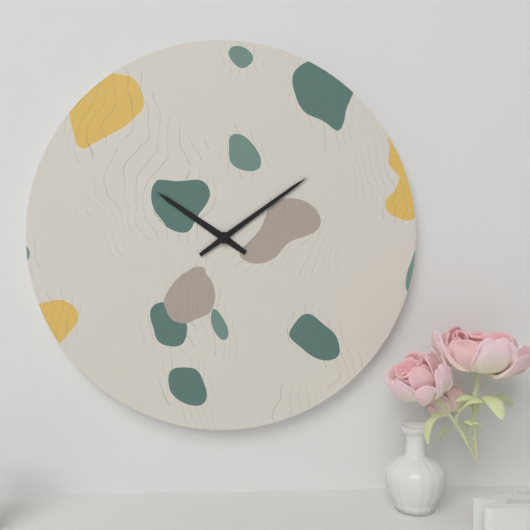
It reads 10h09
